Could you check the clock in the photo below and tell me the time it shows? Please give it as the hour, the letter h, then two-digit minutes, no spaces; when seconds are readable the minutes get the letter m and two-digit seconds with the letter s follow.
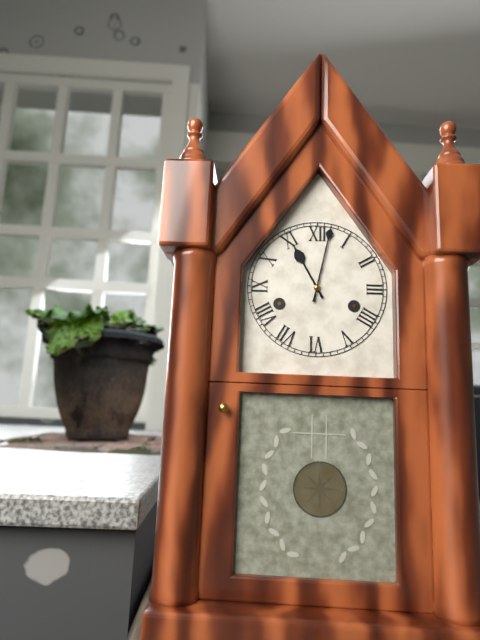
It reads 11h02
